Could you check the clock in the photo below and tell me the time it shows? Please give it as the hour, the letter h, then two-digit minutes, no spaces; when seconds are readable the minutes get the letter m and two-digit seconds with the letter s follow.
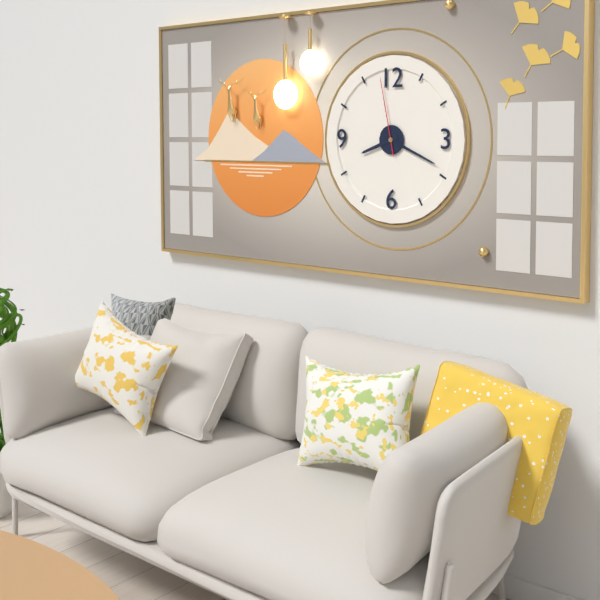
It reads 8h19m58s
